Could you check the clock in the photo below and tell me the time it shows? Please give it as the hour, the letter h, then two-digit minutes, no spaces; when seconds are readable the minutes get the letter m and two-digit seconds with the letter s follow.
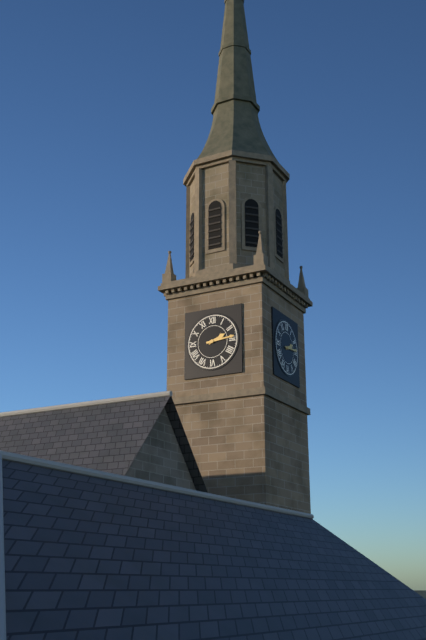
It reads 2h14
